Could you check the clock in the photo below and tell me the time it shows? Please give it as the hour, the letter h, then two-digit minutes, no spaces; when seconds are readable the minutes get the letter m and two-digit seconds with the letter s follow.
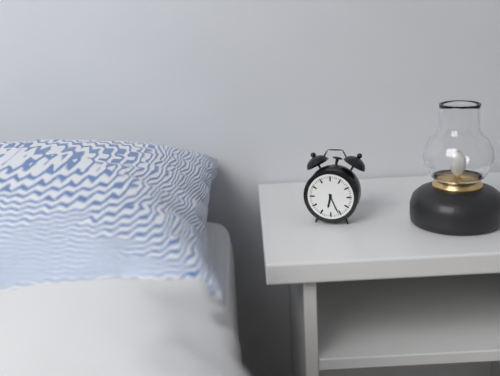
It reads 6h26
